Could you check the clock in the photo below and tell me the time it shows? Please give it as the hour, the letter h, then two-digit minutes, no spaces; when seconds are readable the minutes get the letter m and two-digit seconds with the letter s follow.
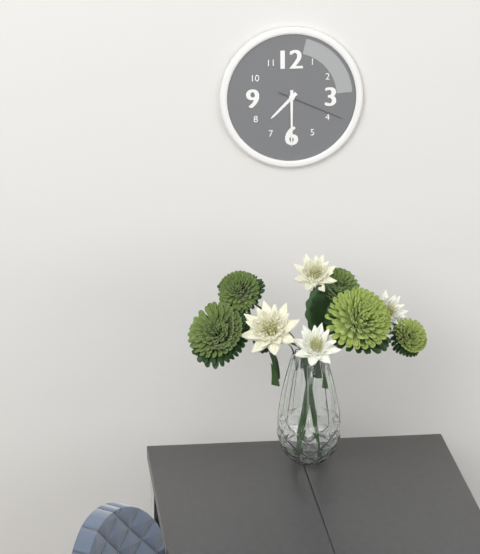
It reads 7h30m19s
